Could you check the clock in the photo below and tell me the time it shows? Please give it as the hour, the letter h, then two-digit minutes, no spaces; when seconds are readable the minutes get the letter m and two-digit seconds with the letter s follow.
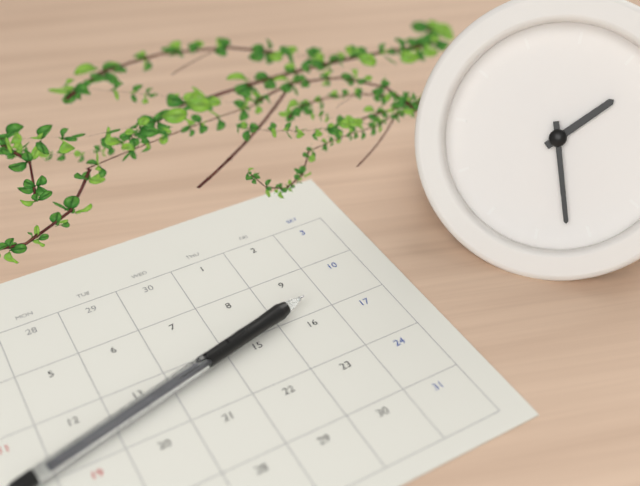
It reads 1h27
